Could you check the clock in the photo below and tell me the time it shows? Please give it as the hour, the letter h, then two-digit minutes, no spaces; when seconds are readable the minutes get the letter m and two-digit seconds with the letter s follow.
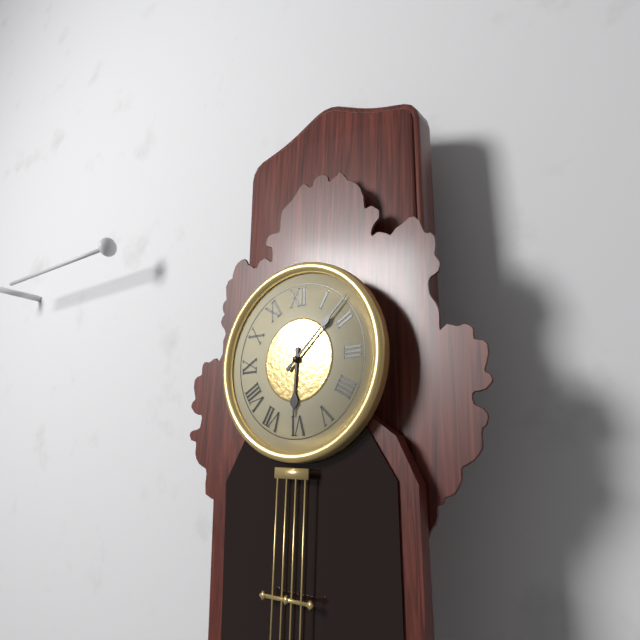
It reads 6h08
